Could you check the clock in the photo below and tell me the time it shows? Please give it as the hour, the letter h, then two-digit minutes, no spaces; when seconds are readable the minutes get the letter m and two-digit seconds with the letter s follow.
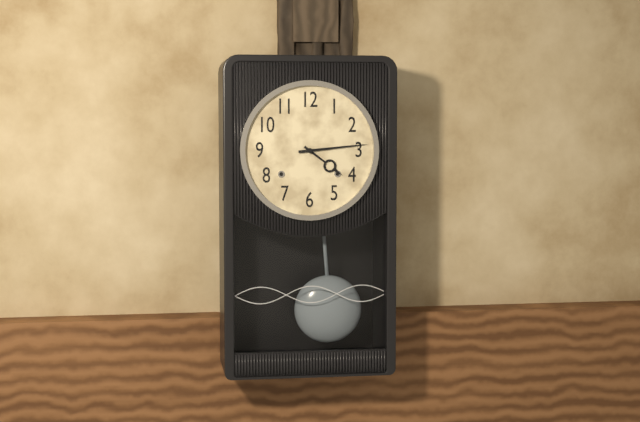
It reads 4h14
